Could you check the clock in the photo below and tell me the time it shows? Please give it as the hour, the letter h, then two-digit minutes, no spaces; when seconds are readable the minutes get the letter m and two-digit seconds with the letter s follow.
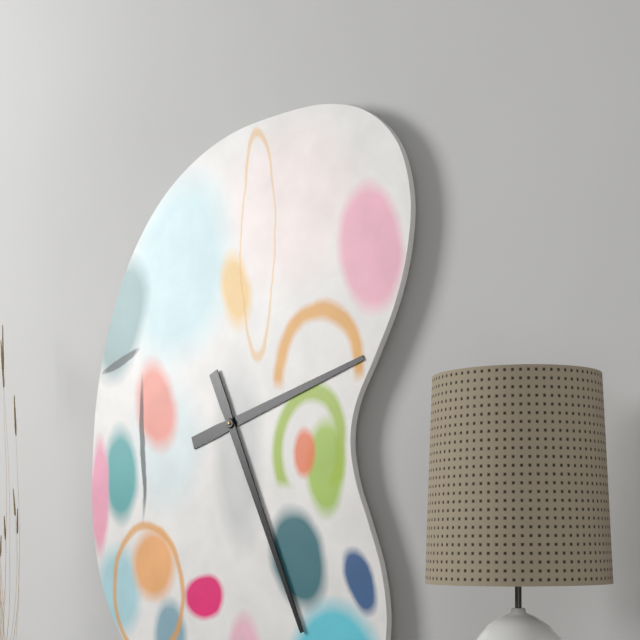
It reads 2h26
